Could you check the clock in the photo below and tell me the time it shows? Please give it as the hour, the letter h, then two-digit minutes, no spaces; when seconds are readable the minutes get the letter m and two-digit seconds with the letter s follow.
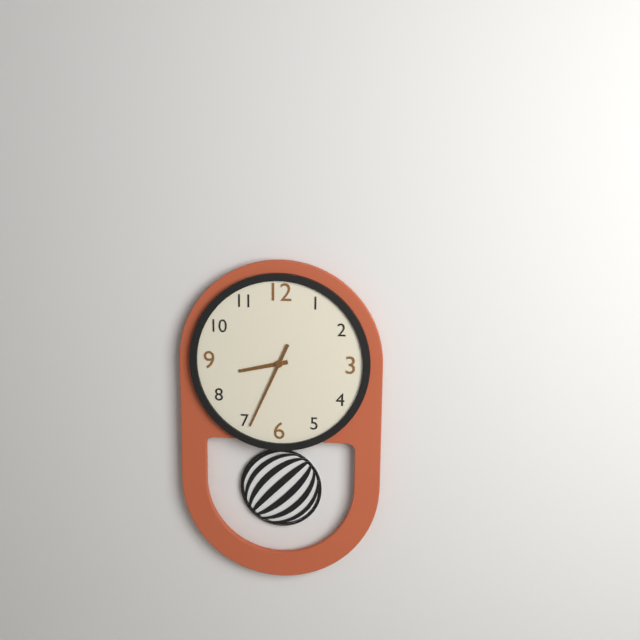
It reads 8h34
